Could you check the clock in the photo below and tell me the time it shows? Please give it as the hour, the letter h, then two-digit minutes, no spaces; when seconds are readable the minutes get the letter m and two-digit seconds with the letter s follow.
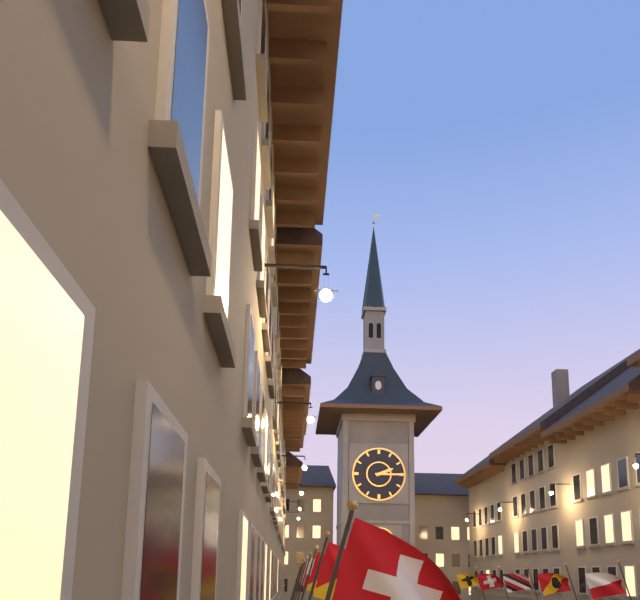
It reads 2h15
